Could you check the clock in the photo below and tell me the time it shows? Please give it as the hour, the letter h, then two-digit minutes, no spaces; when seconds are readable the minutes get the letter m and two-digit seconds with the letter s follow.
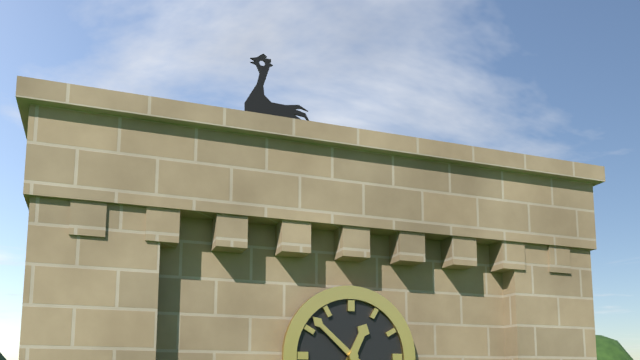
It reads 12h52
